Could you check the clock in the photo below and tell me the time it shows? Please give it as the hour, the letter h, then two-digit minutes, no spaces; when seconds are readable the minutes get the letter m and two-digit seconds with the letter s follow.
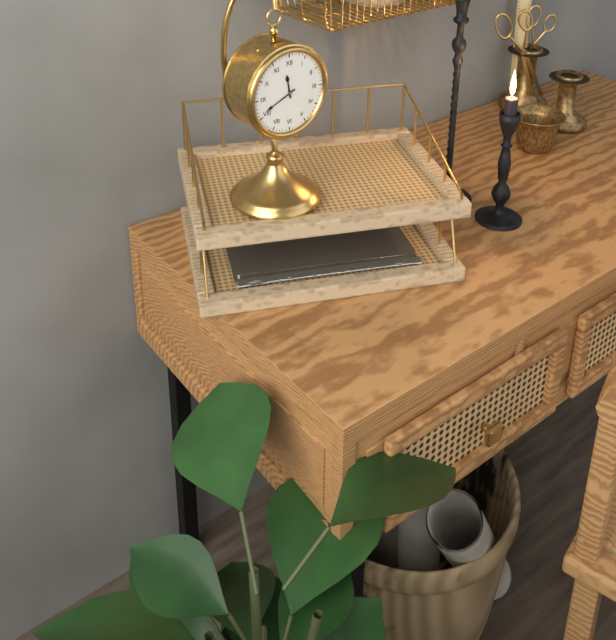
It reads 11h41
